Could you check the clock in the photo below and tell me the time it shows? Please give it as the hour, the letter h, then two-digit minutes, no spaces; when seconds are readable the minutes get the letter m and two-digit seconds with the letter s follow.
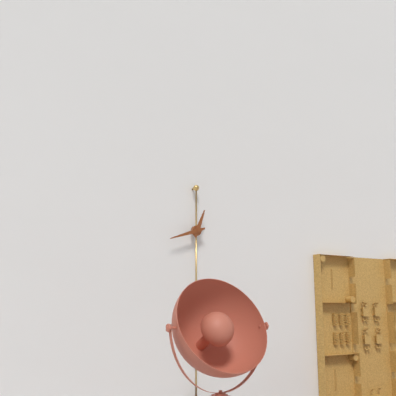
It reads 12h42
